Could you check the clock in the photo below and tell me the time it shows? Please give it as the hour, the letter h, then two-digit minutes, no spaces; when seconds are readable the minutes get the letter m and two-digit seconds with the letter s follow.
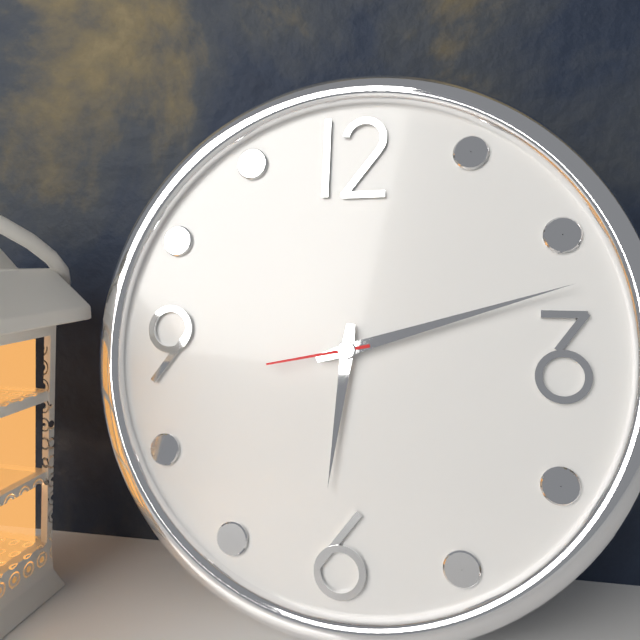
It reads 6h12m43s
